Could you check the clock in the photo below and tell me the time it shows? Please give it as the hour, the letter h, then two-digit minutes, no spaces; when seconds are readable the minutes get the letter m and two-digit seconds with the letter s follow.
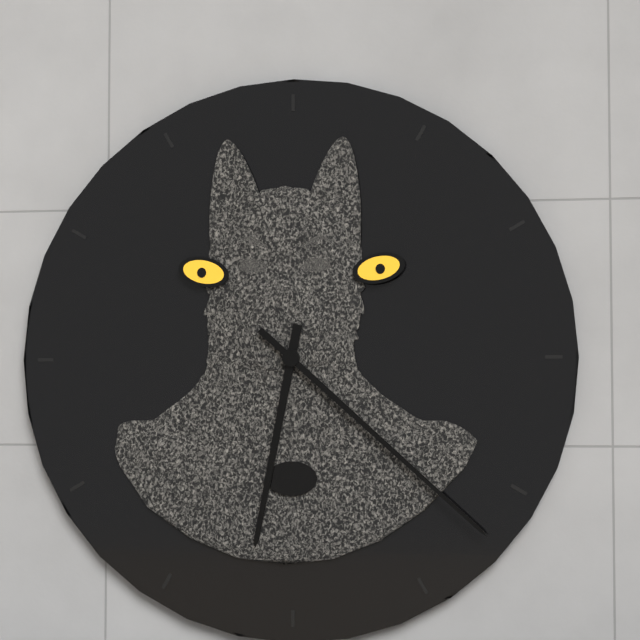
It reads 6h22
